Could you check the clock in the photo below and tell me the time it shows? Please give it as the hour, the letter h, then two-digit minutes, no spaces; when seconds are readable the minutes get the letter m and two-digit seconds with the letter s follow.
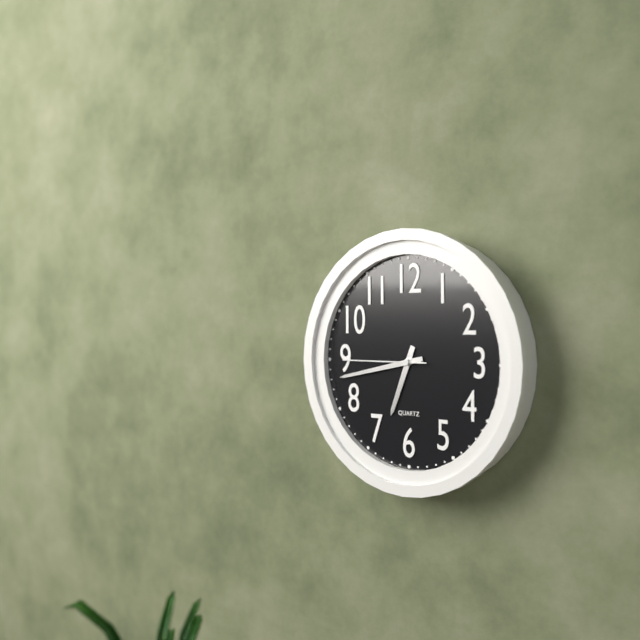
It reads 6h43m45s
